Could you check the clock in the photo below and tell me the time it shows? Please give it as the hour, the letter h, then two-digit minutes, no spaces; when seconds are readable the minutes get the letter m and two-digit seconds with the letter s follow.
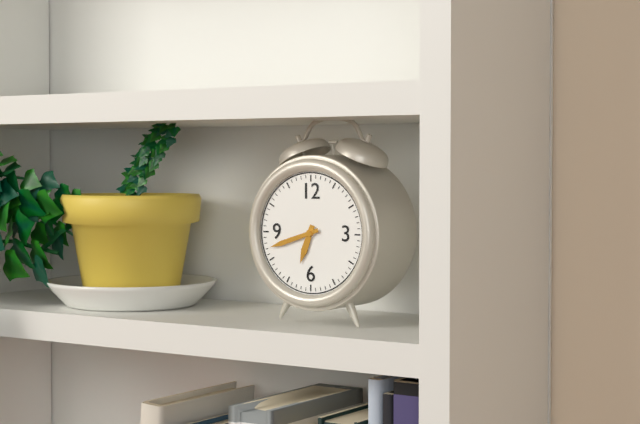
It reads 6h42
